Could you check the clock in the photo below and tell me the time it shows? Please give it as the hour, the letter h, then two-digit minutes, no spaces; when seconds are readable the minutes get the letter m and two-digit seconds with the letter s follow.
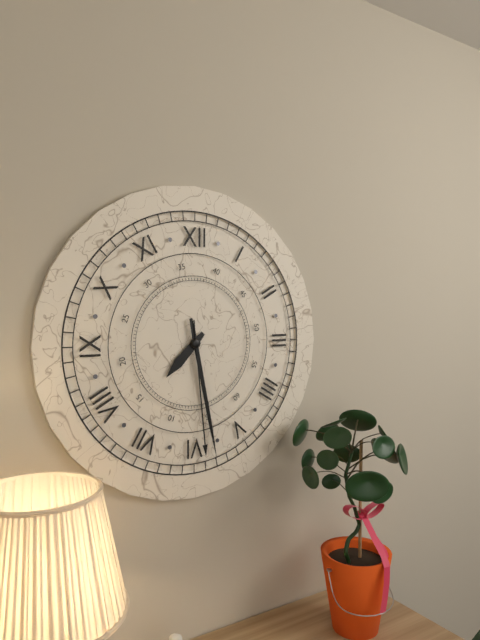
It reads 7h28m29s
